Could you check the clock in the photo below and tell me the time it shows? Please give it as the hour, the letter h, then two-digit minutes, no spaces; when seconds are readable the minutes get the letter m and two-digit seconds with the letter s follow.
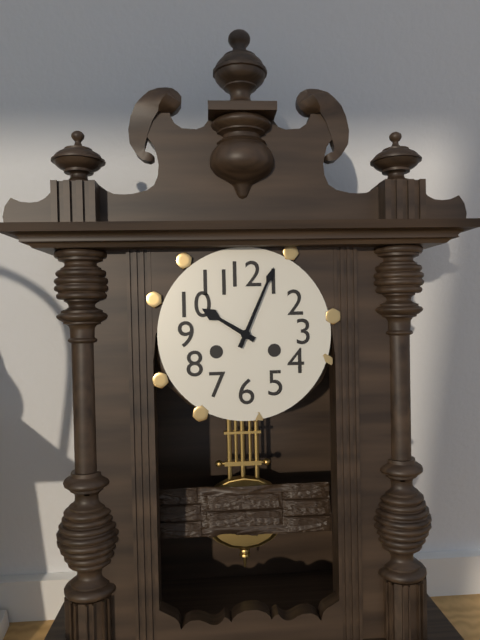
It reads 10h04
